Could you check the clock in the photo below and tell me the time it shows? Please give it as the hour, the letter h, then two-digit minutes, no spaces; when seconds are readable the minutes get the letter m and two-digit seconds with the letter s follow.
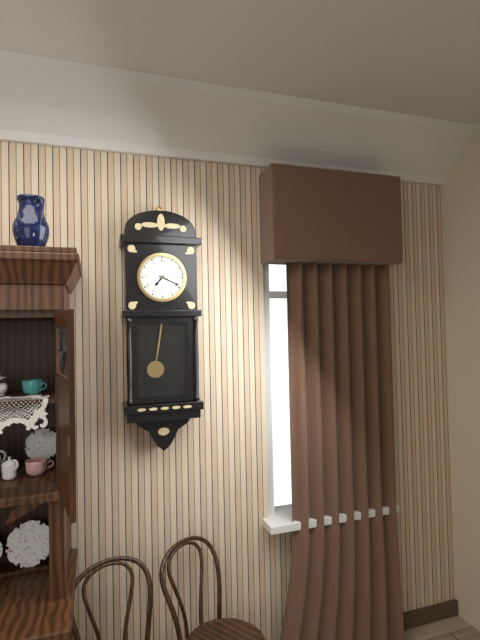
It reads 7h19
